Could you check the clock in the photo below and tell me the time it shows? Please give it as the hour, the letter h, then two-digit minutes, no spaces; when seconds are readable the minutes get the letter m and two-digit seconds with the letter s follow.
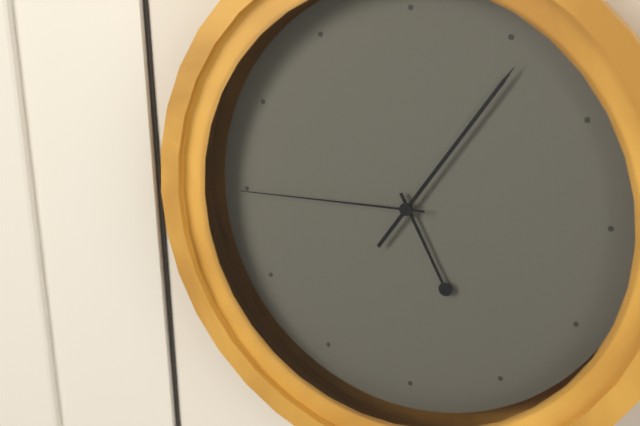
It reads 5h06m45s
